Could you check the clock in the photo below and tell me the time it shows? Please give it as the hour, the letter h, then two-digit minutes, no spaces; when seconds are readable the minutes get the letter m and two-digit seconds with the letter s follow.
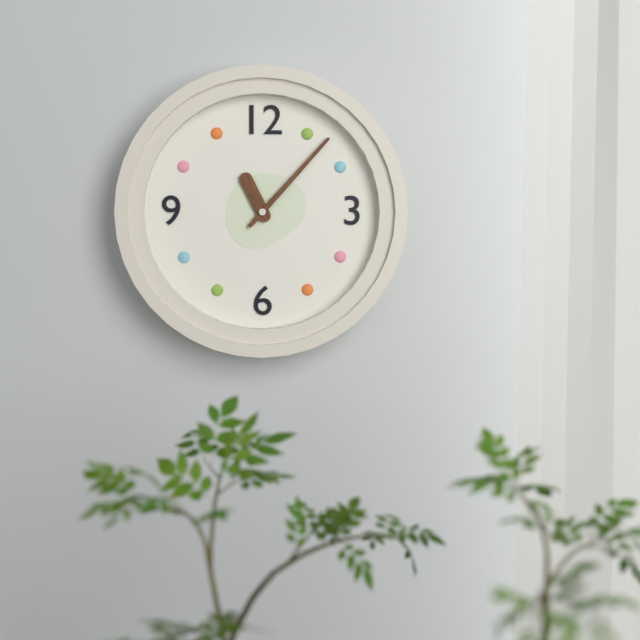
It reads 11h07
